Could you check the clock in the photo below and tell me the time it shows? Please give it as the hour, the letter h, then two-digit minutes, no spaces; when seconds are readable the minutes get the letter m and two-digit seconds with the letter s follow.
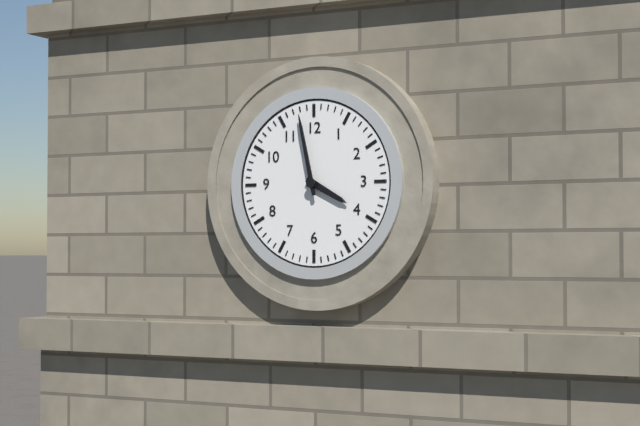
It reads 3h58
